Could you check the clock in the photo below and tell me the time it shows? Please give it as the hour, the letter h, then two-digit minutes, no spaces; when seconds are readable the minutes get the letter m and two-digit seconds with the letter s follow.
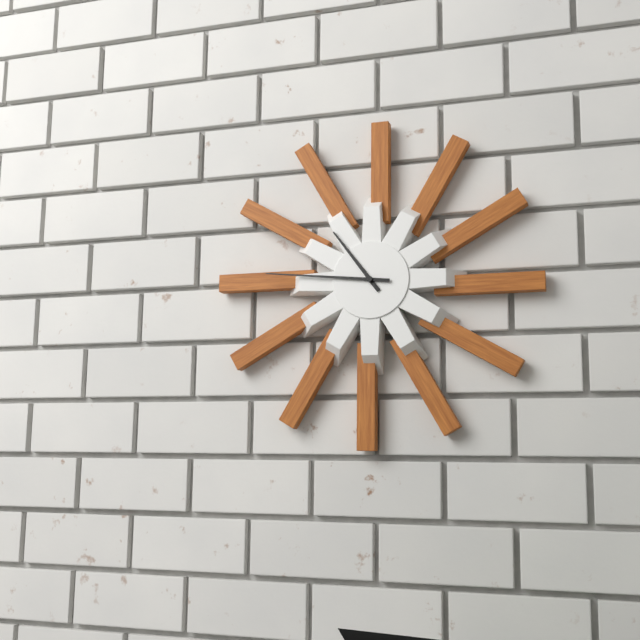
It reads 10h46
